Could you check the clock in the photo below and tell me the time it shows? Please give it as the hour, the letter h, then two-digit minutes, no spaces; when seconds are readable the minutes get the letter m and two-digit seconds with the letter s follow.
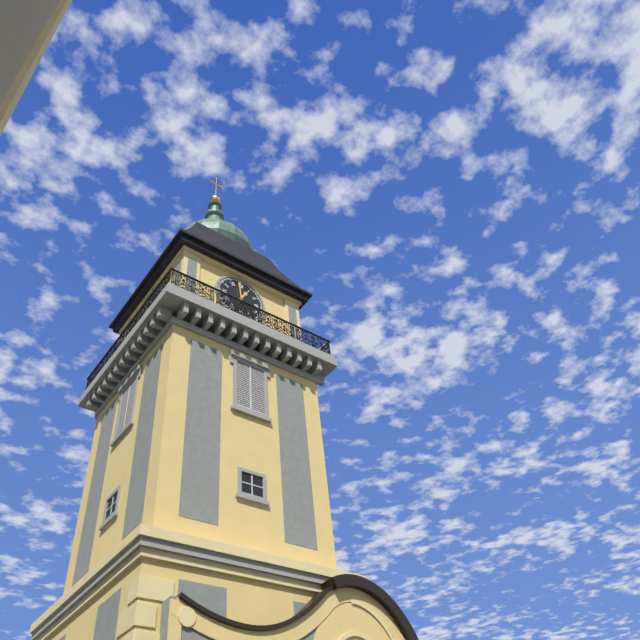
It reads 12h59
